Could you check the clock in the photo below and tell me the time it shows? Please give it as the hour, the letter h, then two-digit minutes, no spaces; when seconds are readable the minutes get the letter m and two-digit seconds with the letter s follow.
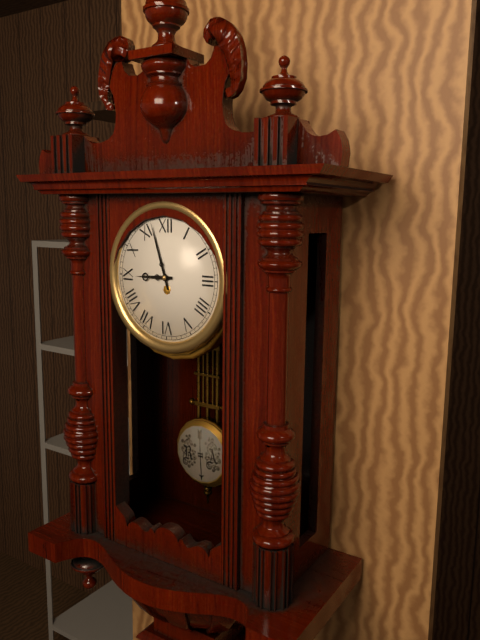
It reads 8h57
